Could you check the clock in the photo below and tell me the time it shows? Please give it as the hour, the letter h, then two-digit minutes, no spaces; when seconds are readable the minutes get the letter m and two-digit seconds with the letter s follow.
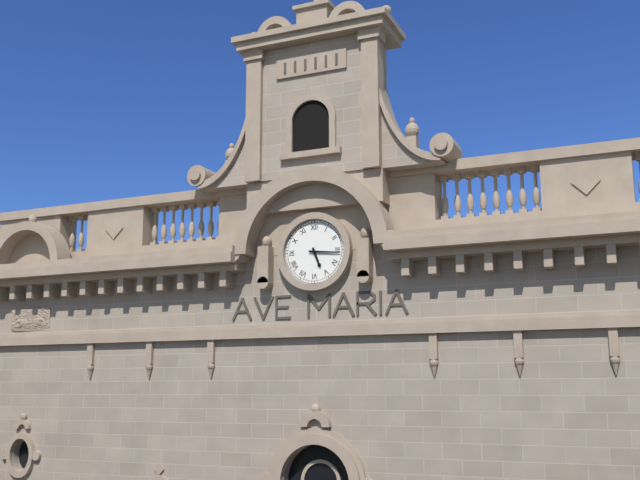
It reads 5h16
